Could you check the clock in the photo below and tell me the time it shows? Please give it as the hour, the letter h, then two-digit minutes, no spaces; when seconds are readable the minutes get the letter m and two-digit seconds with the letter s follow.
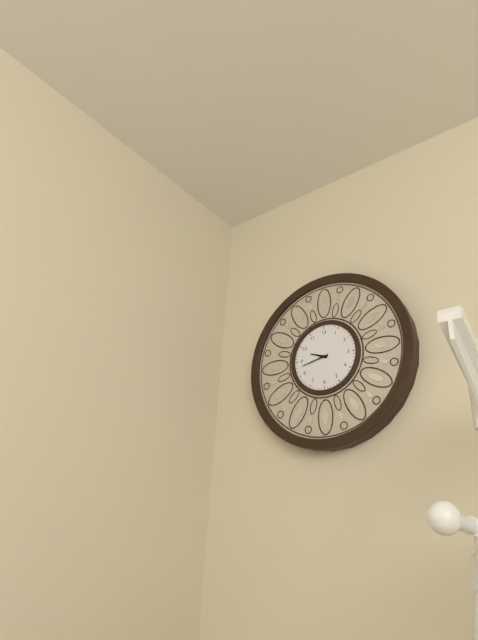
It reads 9h43
